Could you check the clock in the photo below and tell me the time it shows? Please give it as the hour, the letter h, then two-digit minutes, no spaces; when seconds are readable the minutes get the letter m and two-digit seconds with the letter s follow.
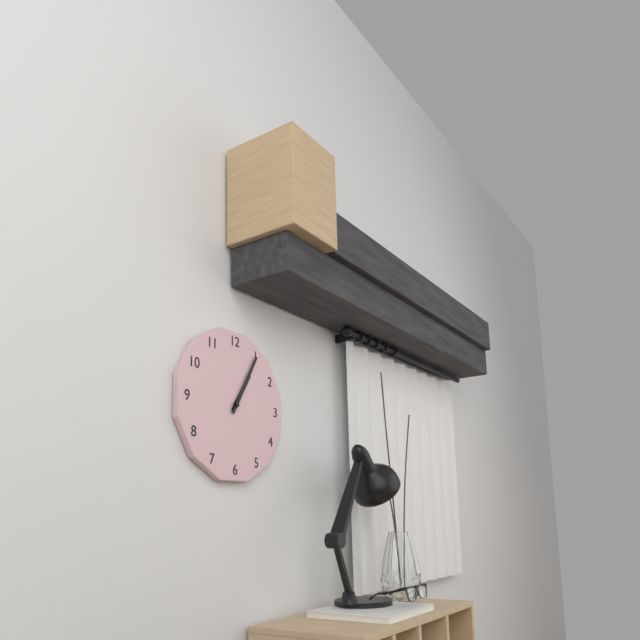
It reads 1h05
